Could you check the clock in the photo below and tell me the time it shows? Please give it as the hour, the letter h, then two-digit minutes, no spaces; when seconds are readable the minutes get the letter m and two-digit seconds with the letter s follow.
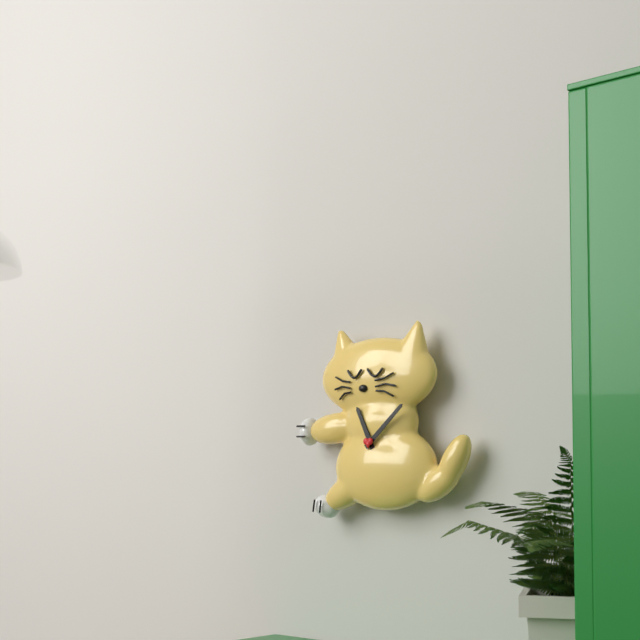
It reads 11h08
